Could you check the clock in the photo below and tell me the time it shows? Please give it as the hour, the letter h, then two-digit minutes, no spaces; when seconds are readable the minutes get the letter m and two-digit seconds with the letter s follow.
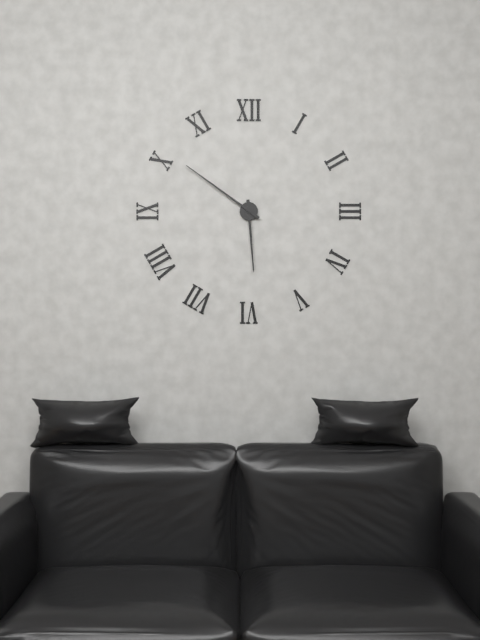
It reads 5h51
